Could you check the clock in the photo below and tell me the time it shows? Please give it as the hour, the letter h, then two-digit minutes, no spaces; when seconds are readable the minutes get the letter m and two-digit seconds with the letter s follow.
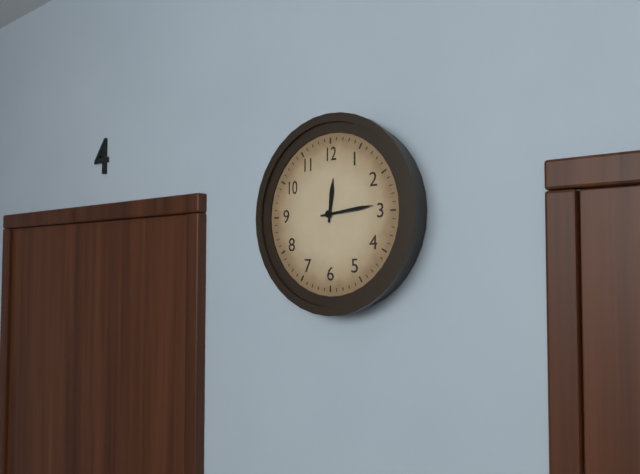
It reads 12h14
